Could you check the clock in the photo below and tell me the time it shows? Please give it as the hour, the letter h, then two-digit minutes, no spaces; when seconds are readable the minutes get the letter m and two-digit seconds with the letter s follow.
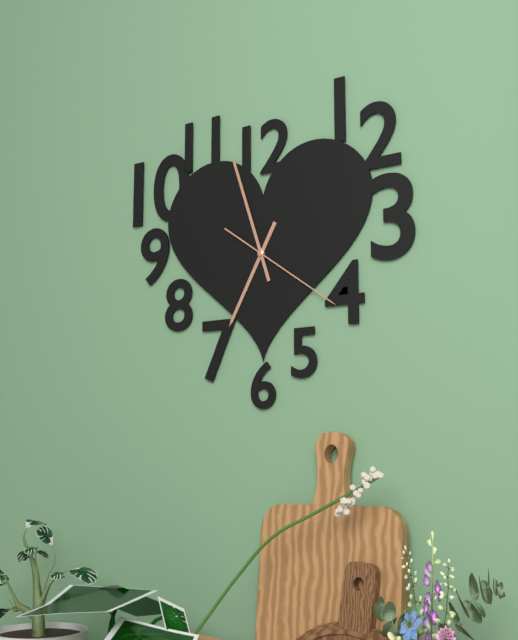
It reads 6h57m21s
